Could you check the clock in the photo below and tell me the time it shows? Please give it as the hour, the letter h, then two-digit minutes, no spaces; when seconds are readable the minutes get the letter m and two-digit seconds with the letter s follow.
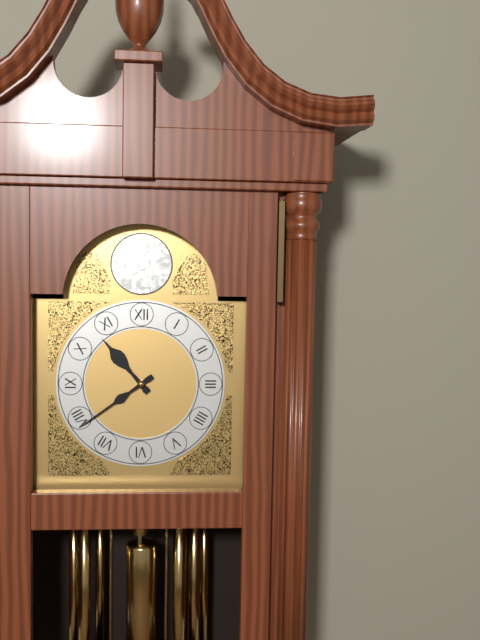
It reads 10h39
